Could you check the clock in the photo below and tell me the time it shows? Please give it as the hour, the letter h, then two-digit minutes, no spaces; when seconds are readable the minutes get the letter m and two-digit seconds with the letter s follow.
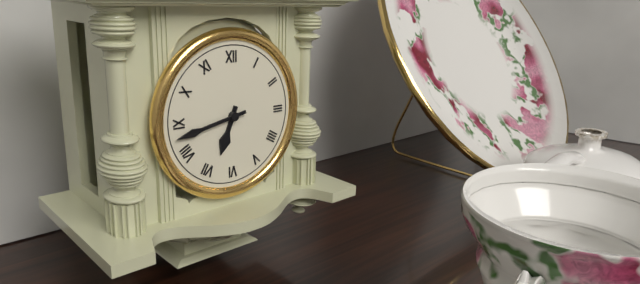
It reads 6h43
